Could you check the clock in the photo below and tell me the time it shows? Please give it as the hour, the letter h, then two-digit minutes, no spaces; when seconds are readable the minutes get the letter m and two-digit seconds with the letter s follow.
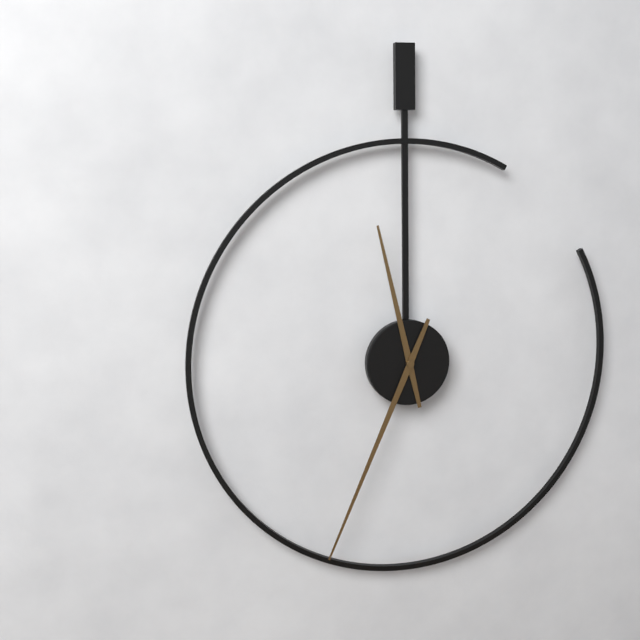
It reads 11h34
